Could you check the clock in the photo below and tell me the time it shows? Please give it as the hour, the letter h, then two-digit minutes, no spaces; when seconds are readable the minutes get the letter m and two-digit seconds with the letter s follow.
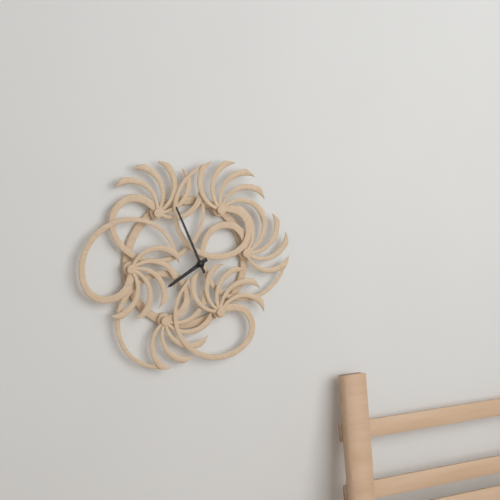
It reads 7h56
